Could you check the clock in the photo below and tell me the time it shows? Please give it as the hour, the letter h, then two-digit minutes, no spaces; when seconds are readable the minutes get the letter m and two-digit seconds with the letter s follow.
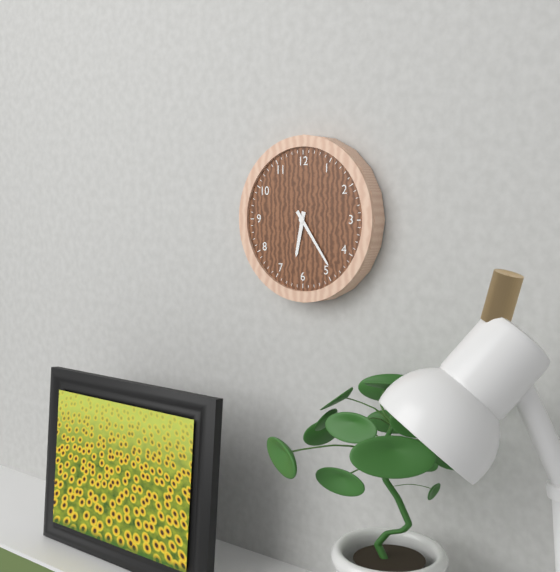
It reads 6h24
